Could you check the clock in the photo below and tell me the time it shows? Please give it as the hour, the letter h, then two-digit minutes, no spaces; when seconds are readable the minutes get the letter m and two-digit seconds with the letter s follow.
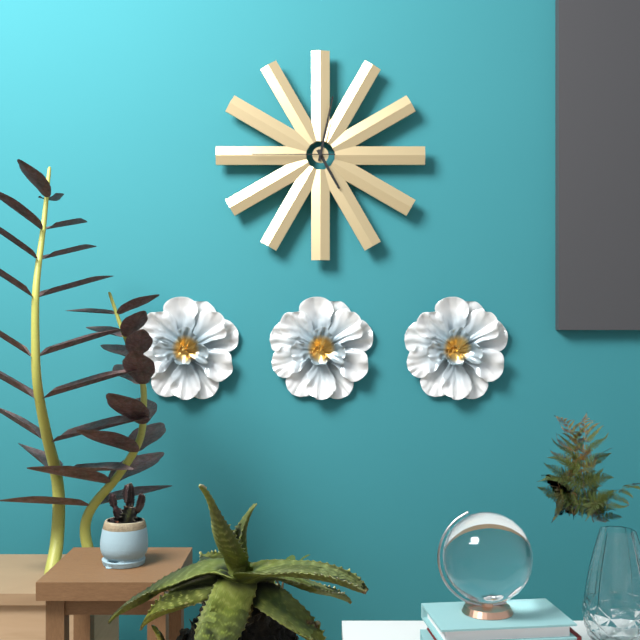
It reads 5h02m45s
